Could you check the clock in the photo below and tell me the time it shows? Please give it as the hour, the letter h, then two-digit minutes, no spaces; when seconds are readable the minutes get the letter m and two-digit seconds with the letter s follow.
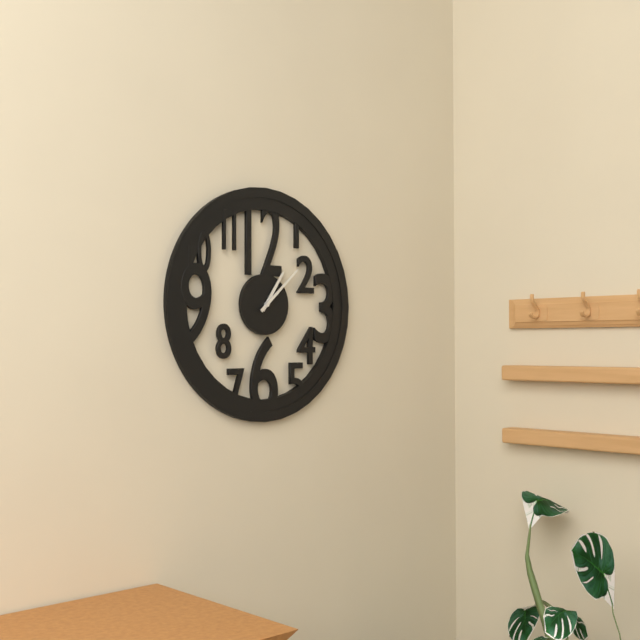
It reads 1h08
